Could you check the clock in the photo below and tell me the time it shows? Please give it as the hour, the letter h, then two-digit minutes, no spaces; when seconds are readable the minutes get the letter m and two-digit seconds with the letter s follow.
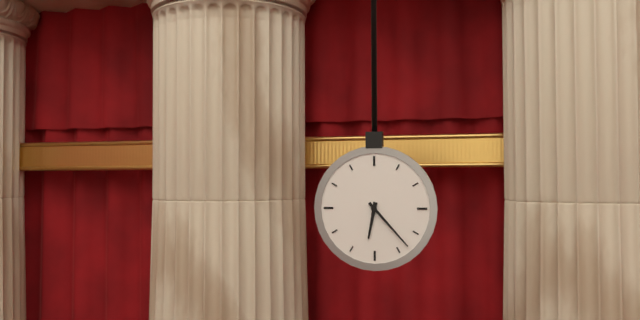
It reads 6h23
